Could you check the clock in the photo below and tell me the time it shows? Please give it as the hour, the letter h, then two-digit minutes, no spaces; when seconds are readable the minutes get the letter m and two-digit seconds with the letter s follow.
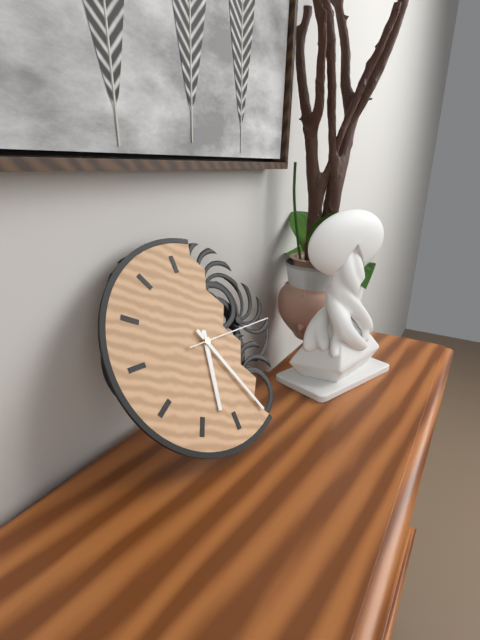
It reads 6h26m15s
